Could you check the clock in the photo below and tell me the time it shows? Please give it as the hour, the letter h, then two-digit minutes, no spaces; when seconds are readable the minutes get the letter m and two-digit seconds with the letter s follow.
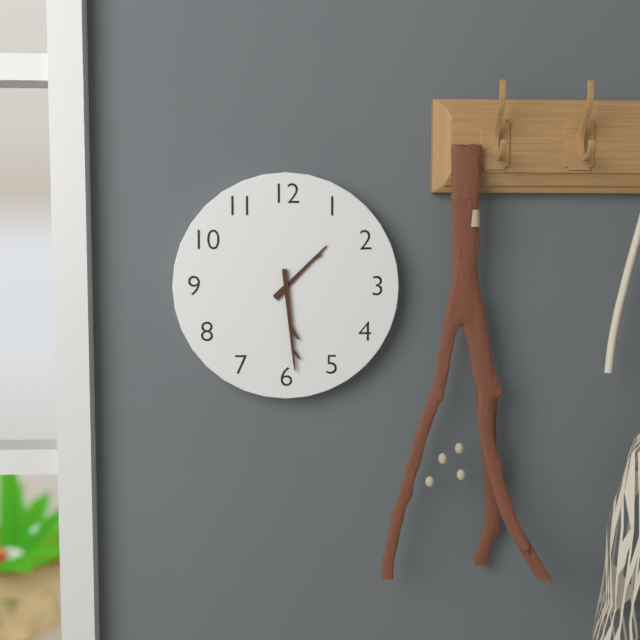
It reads 1h29
